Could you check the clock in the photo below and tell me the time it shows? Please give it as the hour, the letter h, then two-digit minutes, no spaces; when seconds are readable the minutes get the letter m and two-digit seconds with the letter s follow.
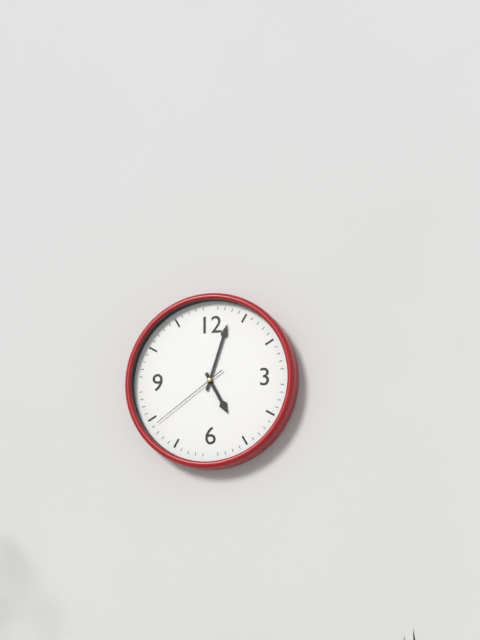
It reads 5h03m39s
